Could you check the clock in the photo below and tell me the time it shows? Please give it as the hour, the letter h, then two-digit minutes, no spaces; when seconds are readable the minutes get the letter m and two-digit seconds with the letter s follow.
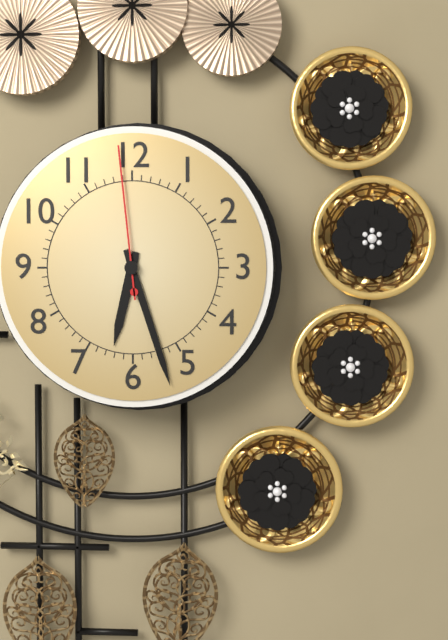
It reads 6h27m59s
